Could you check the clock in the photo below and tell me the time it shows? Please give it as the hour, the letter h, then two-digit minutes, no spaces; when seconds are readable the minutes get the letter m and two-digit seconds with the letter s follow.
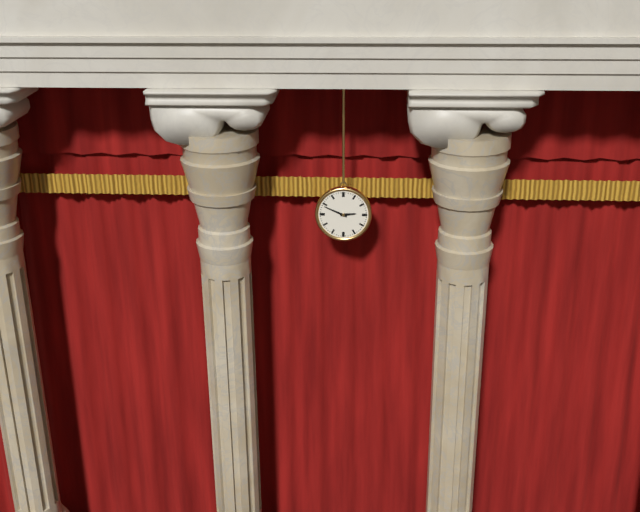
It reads 2h49
